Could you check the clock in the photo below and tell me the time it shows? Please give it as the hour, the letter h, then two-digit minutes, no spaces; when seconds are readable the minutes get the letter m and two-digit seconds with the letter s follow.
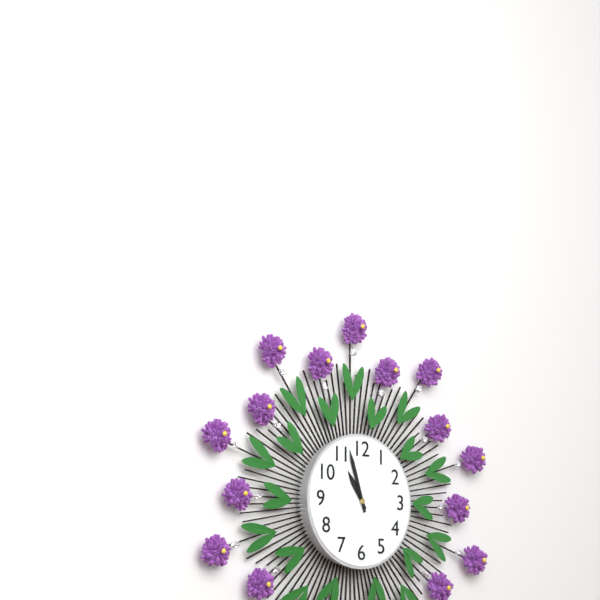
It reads 10h57
